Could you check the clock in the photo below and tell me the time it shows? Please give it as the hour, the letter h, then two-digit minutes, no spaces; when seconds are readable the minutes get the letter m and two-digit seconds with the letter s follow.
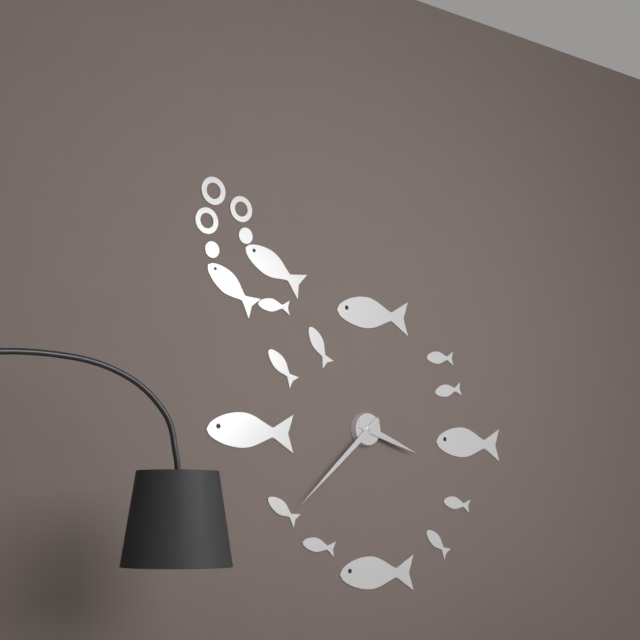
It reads 3h38
